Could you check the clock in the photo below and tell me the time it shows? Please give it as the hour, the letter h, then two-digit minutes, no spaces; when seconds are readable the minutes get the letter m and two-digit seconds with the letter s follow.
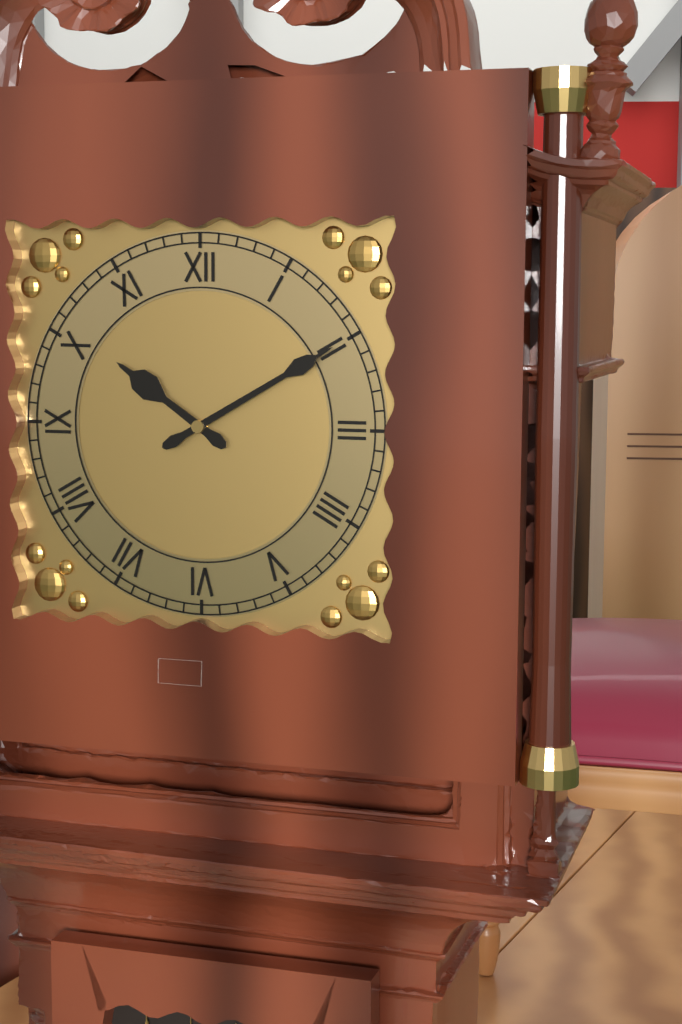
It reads 10h10
